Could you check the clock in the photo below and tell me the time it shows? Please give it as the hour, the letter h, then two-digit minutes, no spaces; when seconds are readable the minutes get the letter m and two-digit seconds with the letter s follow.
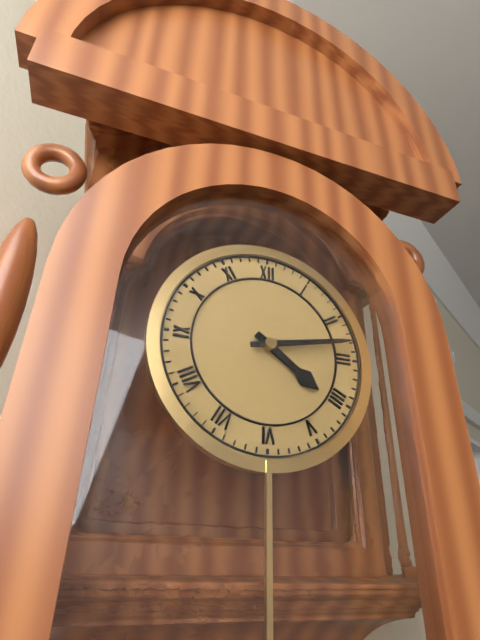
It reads 4h13
